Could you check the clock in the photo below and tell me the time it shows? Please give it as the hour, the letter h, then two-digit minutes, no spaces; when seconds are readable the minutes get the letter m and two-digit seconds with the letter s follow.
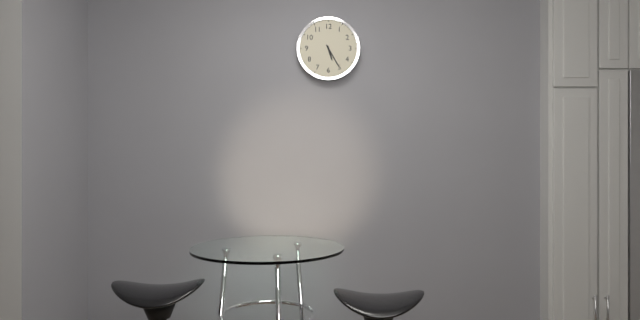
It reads 5h25
